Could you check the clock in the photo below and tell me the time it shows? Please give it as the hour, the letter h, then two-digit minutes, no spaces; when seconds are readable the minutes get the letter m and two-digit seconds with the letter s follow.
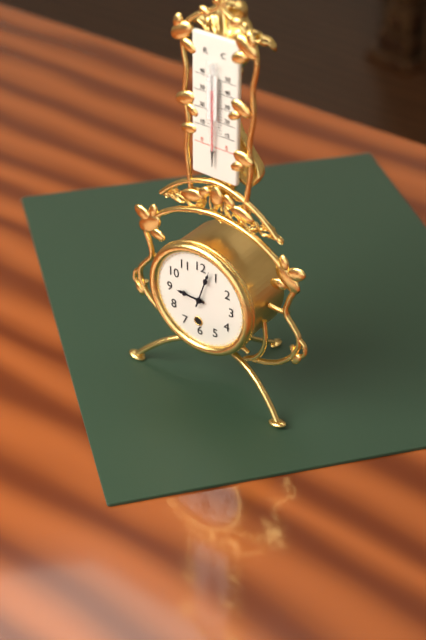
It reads 9h03
